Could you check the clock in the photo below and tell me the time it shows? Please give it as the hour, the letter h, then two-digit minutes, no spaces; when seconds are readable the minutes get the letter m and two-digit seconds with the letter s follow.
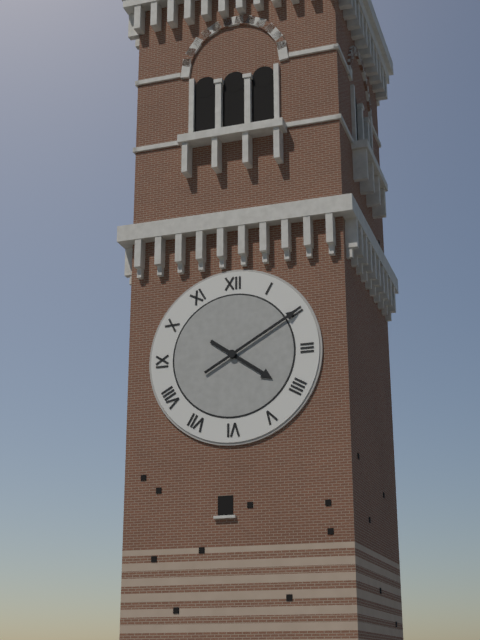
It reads 4h10
